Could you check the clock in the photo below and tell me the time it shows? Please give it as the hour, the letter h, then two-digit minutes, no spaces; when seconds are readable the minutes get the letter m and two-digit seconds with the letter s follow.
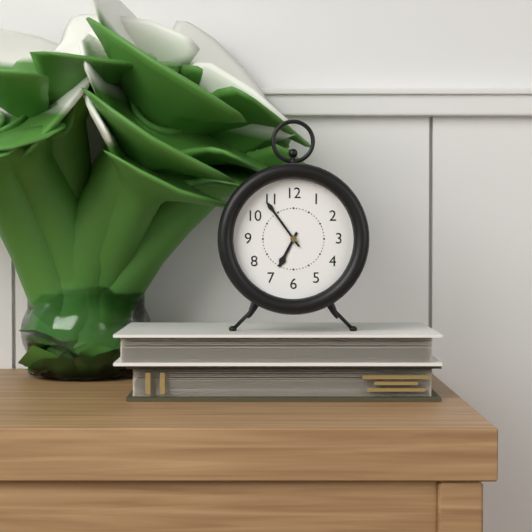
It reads 6h54
